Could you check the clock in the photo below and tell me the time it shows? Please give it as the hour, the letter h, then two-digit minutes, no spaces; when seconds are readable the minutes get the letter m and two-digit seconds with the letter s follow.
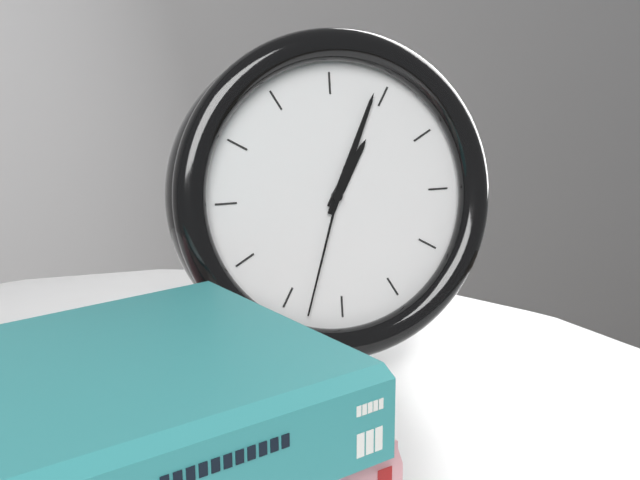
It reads 1h04m33s
